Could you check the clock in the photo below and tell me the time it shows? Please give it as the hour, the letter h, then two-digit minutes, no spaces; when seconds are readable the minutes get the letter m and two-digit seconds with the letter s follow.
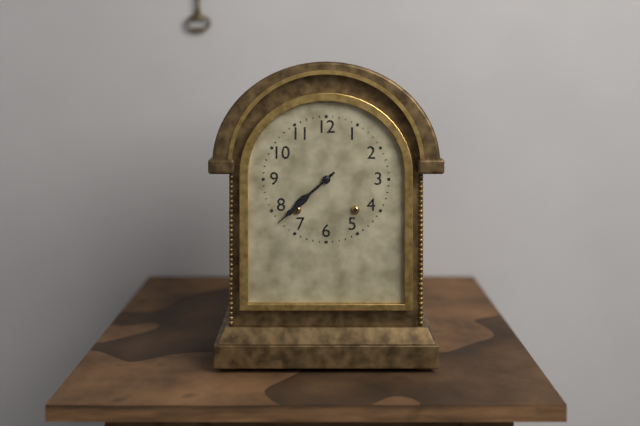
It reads 7h38
